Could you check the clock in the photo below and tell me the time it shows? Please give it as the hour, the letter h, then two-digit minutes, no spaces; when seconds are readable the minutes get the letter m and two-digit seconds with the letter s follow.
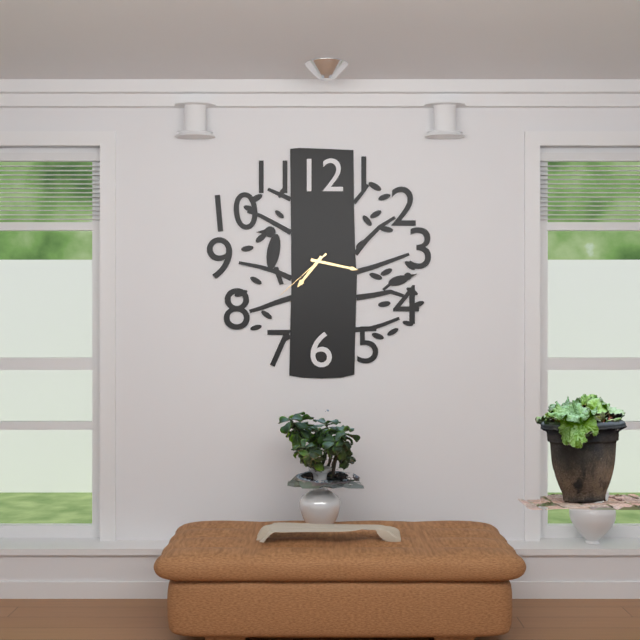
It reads 7h17m38s
